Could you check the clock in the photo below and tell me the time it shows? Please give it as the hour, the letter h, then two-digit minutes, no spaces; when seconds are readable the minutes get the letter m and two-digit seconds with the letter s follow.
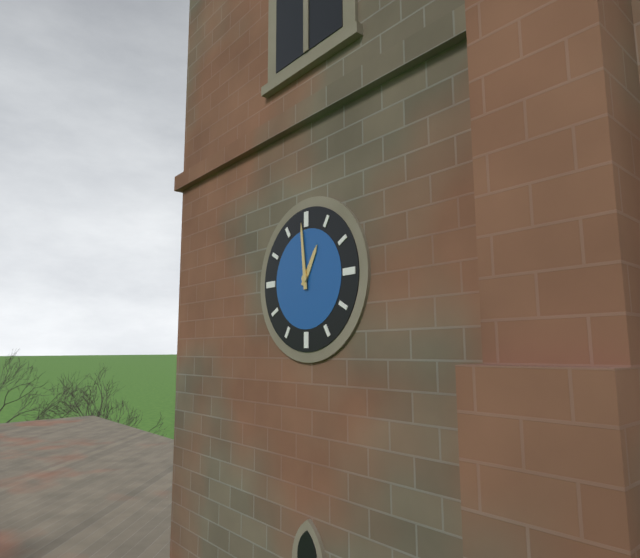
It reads 12h59
